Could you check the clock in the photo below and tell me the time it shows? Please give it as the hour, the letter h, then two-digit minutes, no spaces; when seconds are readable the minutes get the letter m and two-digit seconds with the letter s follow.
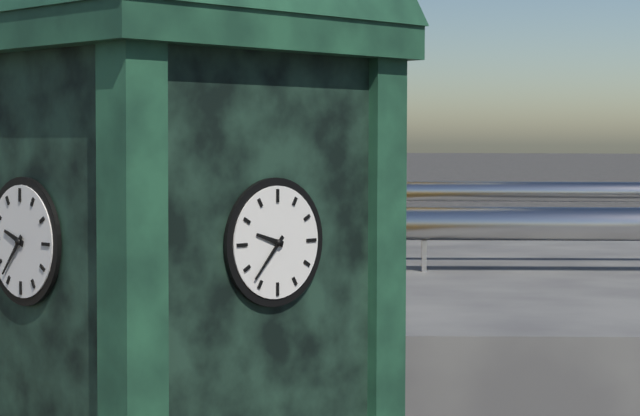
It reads 9h37
